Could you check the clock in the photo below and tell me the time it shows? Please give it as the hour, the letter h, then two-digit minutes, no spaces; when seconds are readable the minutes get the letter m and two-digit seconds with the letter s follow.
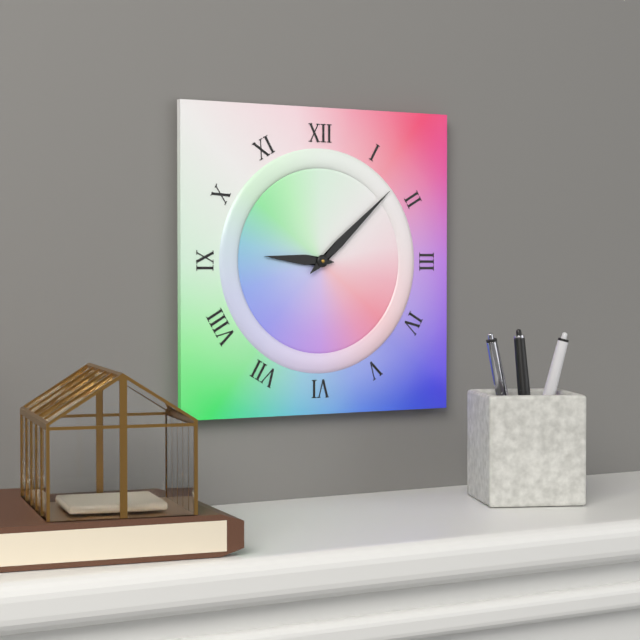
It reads 9h08
